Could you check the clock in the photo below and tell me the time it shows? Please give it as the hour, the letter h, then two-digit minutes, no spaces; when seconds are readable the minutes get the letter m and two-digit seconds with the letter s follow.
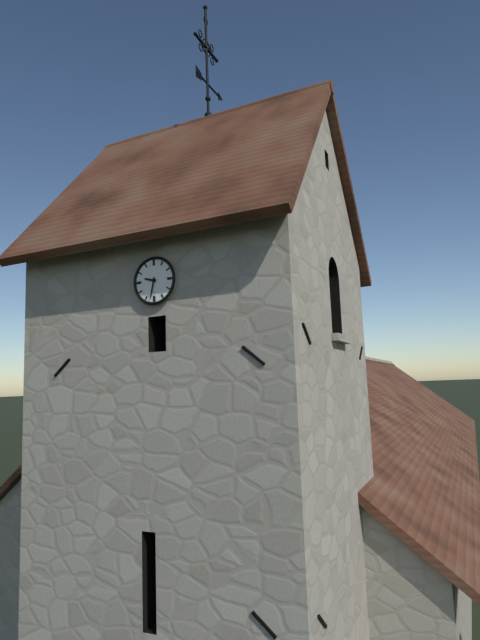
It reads 9h32
